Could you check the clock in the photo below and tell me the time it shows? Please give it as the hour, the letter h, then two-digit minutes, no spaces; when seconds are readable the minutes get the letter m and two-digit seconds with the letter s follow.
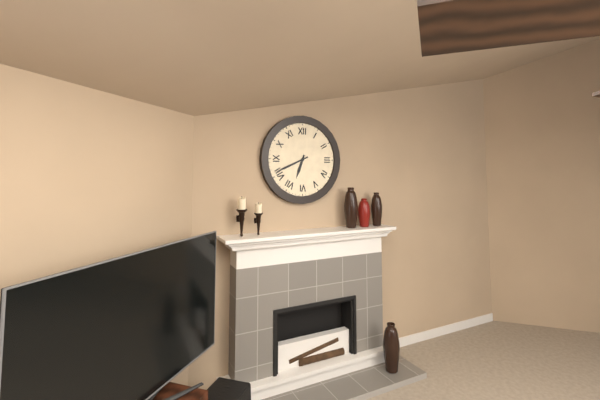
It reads 6h41
